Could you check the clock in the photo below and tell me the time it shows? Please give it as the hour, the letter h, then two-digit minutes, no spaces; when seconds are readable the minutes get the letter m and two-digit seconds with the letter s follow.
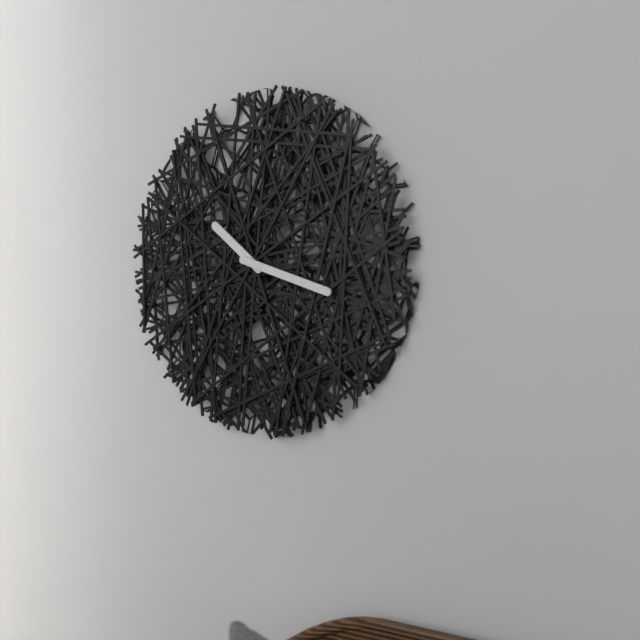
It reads 10h18
